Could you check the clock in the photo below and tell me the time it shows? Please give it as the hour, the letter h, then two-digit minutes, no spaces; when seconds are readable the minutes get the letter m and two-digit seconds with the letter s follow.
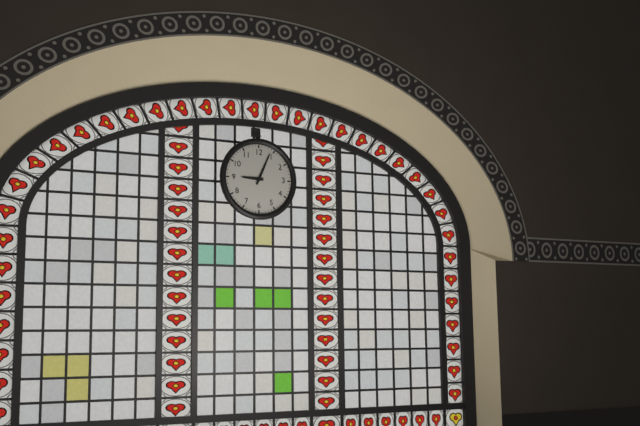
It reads 9h04
